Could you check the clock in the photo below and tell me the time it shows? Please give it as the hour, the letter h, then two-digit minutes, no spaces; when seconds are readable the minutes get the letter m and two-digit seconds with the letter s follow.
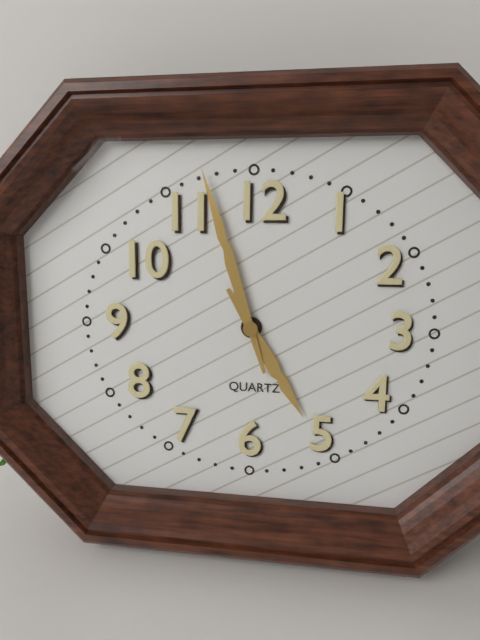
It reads 4h57
